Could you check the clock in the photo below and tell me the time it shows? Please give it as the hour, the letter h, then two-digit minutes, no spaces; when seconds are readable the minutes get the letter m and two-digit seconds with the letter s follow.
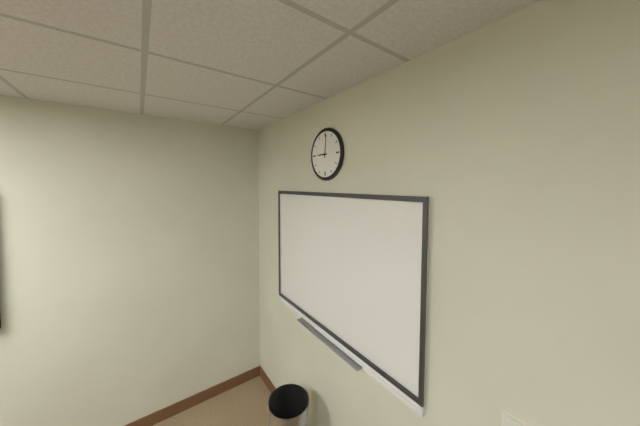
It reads 9h01
